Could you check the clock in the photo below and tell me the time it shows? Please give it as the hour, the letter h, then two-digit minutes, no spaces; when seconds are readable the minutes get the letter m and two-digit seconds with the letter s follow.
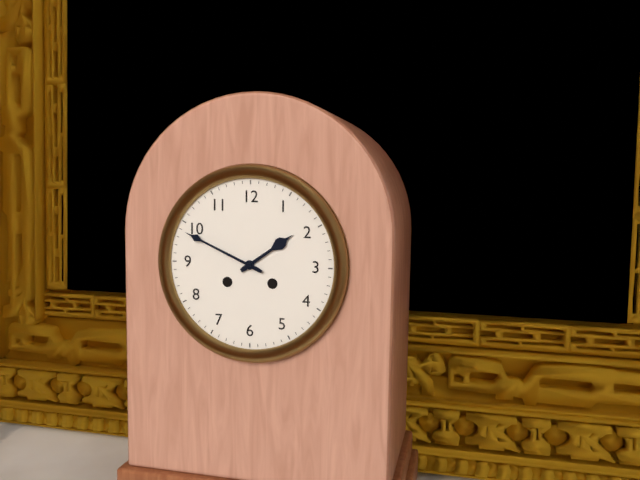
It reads 1h49
